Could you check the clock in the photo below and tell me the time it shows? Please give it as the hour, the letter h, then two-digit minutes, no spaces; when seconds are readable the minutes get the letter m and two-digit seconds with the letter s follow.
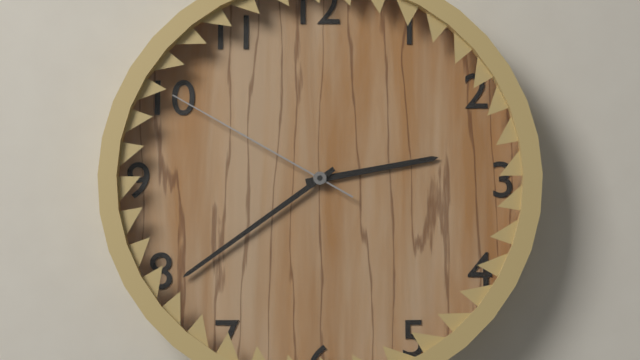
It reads 2h39m50s
